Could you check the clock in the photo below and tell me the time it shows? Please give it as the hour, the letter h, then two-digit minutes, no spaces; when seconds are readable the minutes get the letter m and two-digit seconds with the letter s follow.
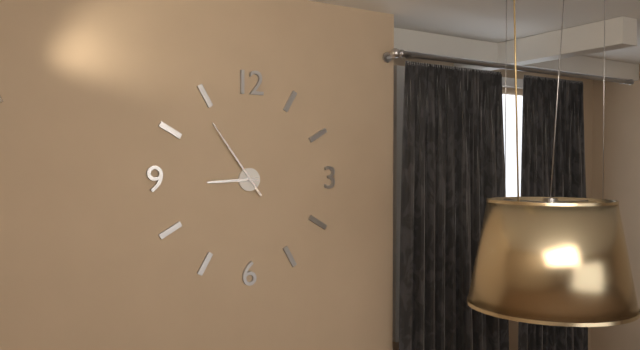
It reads 8h54
